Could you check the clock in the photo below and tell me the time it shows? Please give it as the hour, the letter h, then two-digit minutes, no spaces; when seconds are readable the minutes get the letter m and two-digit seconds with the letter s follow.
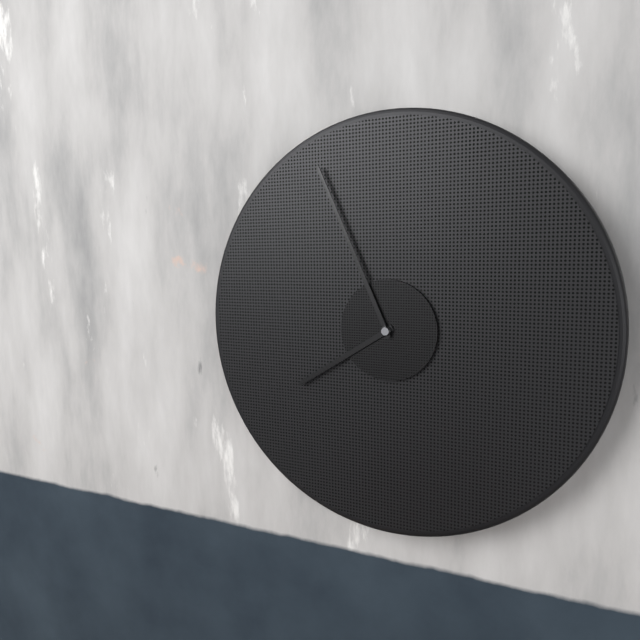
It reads 7h56
